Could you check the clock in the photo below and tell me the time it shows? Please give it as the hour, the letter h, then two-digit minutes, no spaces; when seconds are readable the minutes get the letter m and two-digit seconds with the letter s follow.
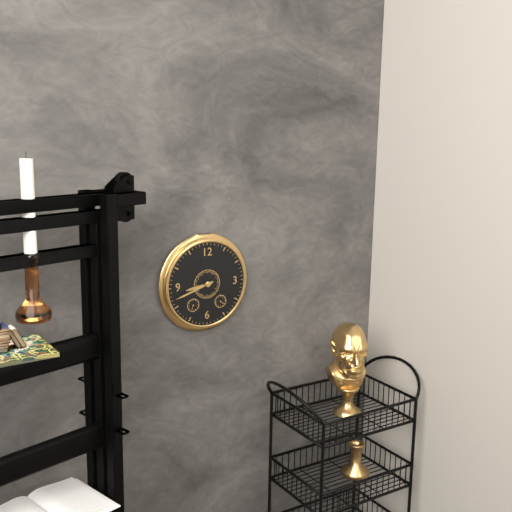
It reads 8h42
